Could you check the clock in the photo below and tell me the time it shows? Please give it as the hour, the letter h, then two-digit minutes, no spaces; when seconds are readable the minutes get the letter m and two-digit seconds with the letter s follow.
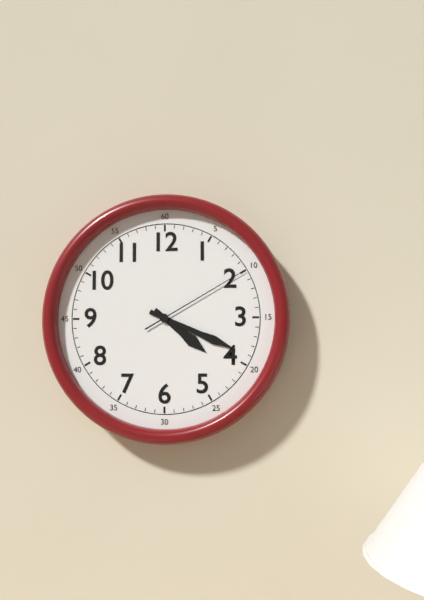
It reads 4h19m10s
